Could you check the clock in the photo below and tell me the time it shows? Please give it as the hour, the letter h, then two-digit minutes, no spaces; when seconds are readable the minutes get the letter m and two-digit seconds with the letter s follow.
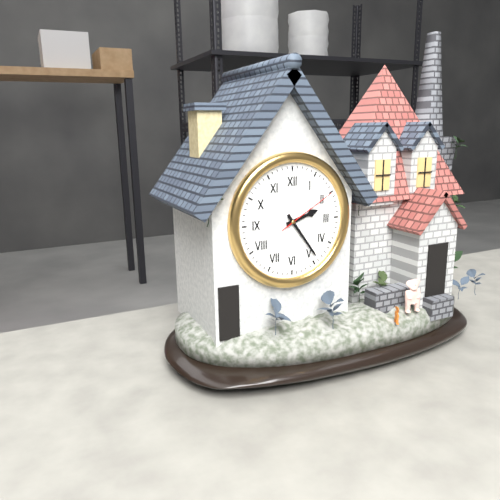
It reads 2h24m10s
